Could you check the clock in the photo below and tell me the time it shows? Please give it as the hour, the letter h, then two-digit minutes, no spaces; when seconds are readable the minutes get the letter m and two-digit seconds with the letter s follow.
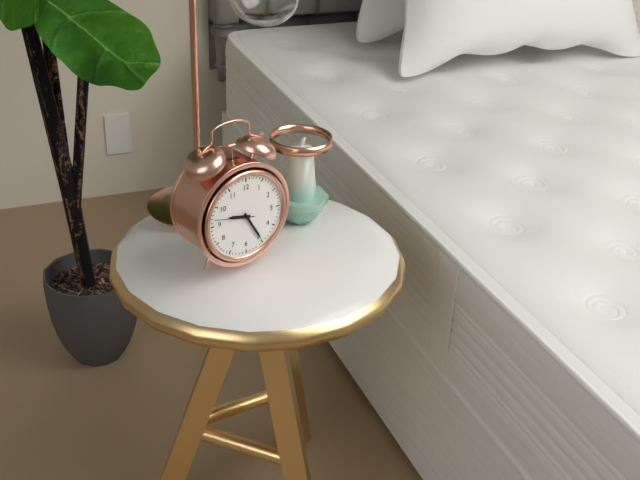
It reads 9h25
